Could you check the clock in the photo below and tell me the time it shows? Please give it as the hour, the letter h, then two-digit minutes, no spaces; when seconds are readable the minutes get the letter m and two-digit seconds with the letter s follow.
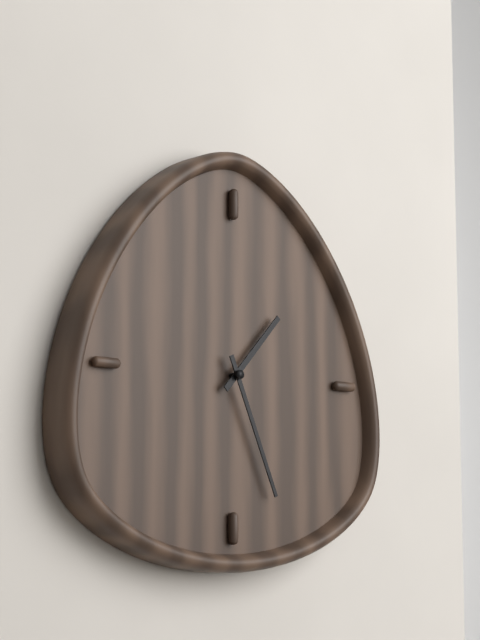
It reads 1h26
